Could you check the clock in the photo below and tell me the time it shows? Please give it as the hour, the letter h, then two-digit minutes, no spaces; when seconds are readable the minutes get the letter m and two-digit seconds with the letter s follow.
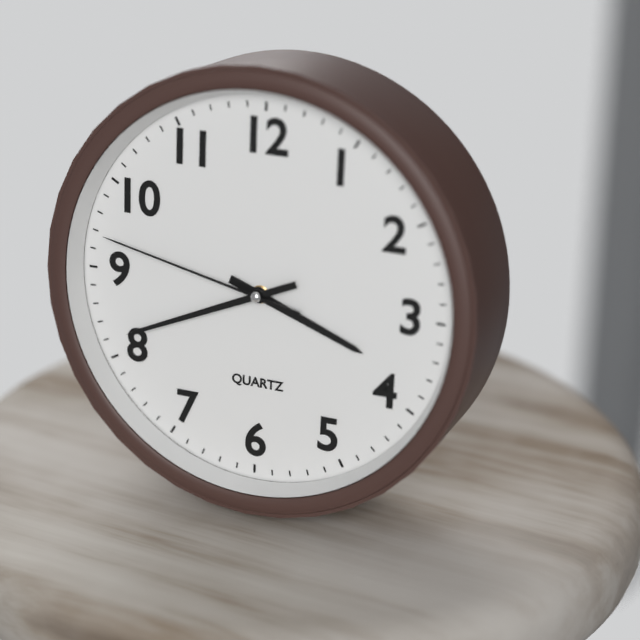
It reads 3h41m47s
